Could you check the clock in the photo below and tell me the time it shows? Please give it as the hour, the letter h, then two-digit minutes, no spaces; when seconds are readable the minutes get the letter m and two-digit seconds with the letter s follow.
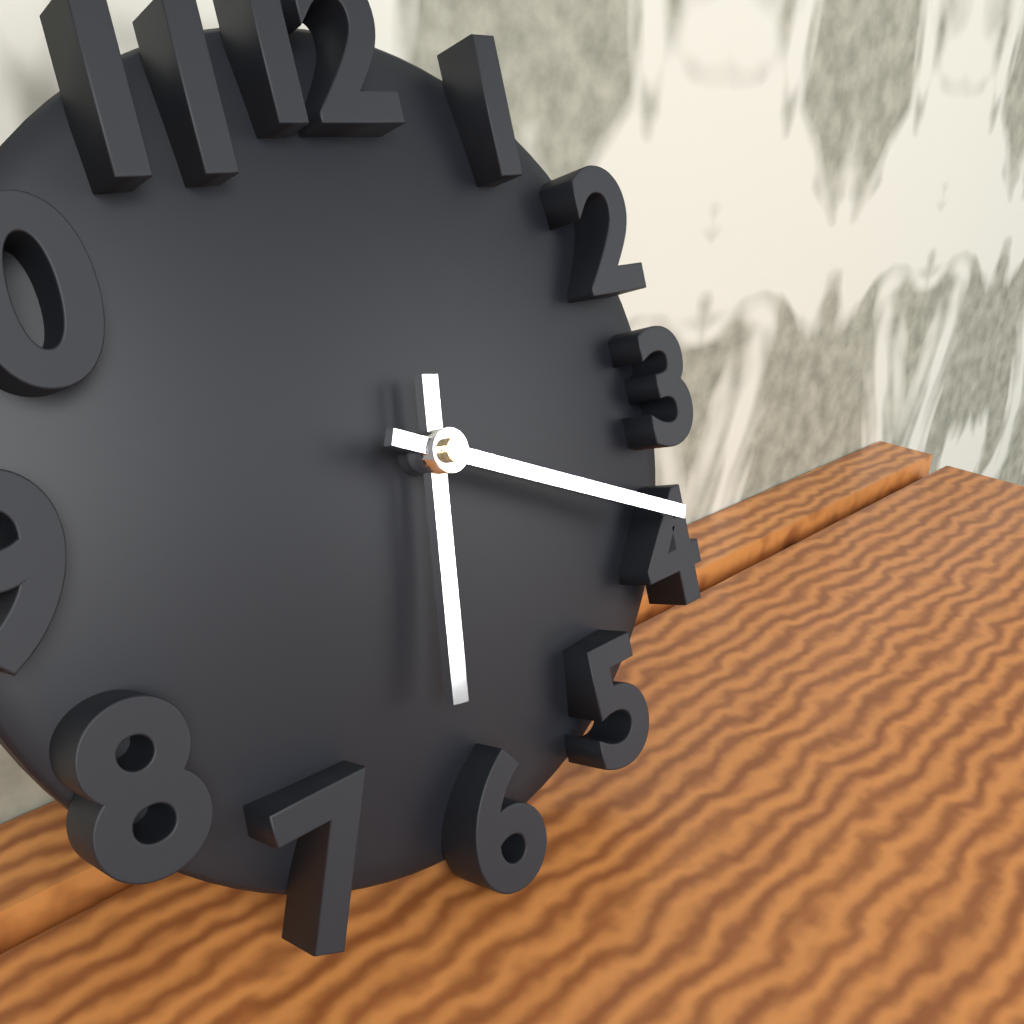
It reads 6h19
